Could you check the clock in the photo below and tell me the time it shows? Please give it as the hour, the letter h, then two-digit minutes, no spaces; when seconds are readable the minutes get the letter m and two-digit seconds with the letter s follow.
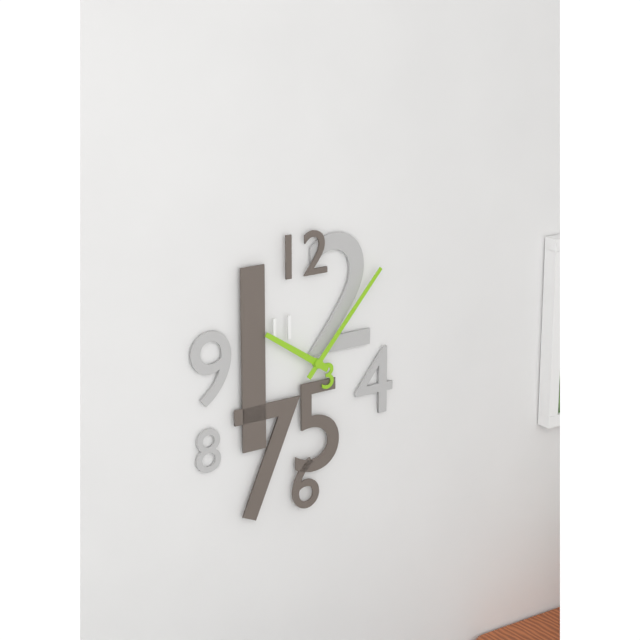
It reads 10h07
